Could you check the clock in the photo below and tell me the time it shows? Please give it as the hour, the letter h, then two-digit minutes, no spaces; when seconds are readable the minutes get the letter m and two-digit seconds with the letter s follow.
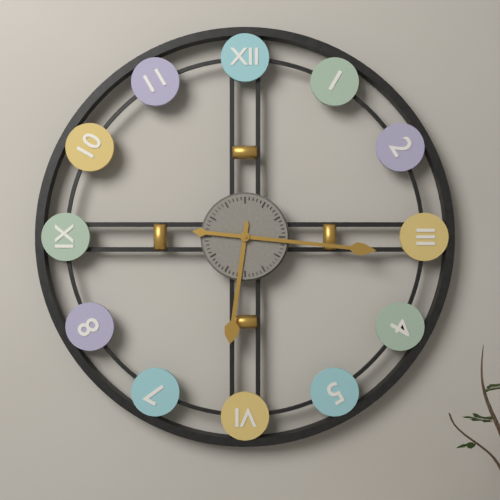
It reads 6h16
